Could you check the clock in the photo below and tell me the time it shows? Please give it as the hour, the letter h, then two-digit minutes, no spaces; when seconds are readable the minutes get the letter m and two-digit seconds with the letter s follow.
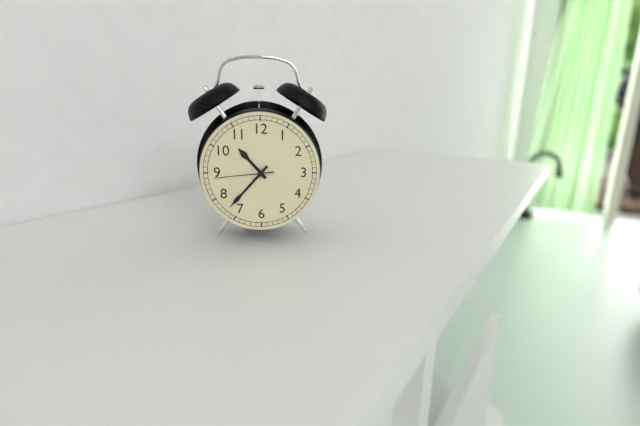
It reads 10h37m44s
